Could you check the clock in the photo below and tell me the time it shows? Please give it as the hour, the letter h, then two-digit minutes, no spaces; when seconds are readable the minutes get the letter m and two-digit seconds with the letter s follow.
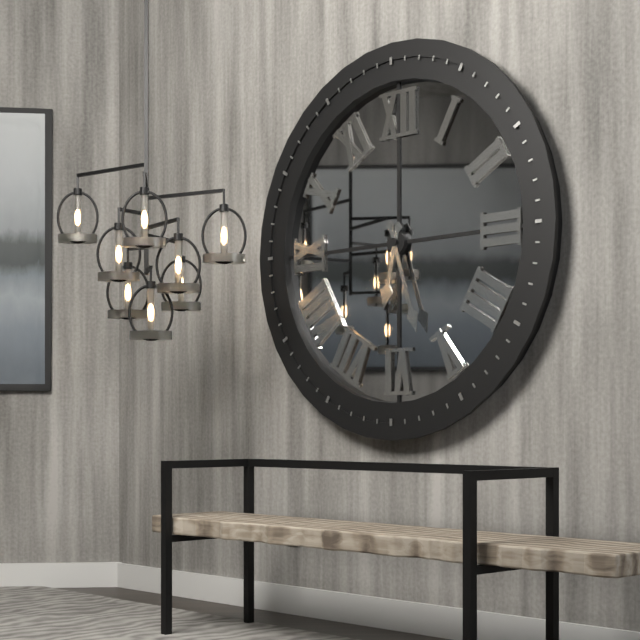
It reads 6h27
